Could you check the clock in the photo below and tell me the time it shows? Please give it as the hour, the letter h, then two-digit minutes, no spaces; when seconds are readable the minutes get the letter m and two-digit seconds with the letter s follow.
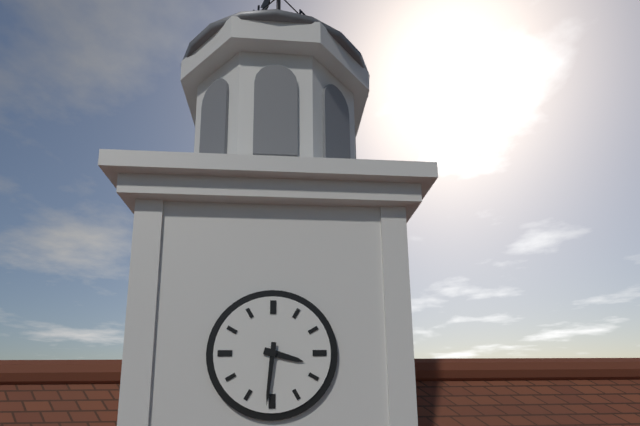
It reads 3h31
